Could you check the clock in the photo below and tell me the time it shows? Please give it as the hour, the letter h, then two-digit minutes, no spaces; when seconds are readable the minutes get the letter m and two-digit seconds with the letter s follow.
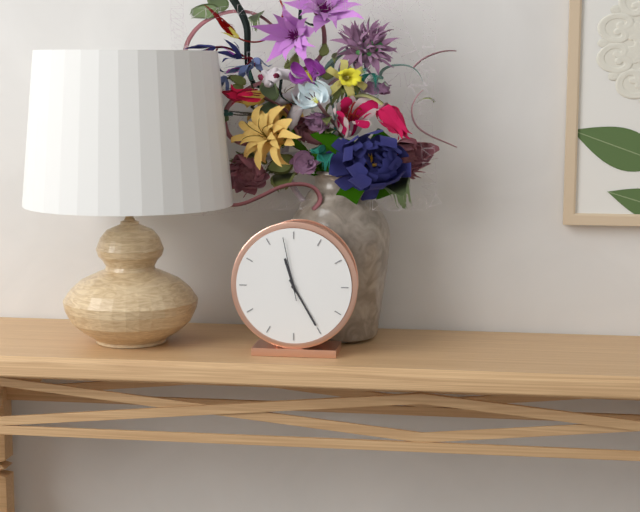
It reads 11h25m58s
